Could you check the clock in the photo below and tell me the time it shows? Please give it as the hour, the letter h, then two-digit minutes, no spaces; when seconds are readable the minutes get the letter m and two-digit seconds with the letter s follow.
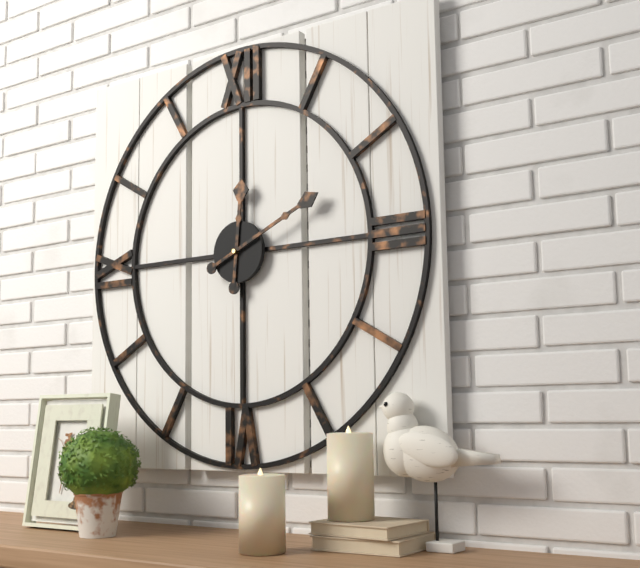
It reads 12h11
